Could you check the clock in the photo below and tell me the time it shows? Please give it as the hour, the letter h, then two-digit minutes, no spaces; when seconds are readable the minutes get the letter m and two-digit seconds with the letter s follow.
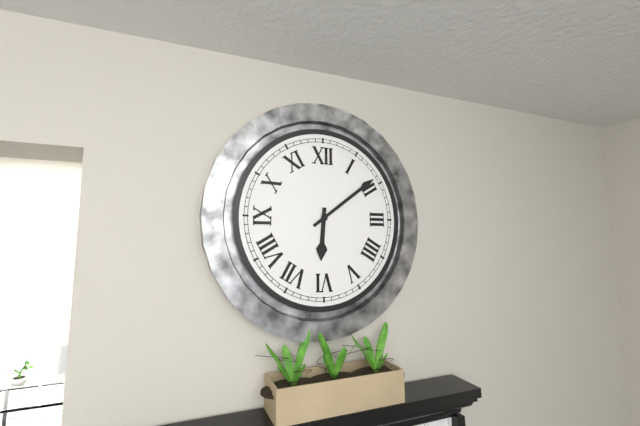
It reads 6h09
